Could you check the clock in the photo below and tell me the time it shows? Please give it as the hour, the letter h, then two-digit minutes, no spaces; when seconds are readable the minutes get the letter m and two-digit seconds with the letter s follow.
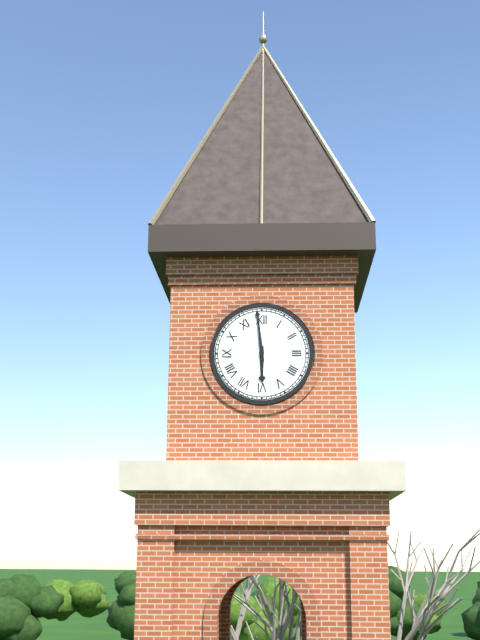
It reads 5h59
